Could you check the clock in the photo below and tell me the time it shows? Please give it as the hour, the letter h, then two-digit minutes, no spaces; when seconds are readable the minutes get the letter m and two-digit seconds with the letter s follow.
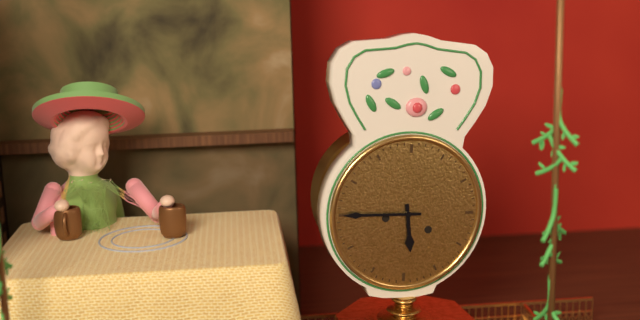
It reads 5h45
